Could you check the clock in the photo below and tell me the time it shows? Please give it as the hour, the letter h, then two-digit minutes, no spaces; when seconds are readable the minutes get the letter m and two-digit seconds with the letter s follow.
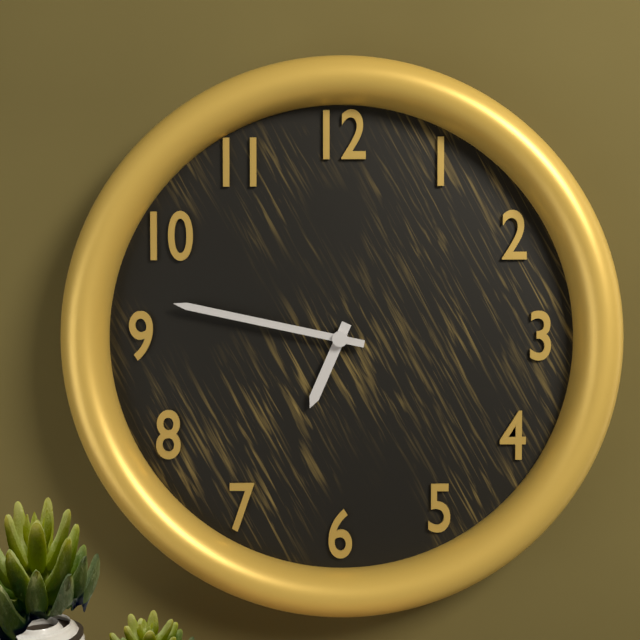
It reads 6h47
